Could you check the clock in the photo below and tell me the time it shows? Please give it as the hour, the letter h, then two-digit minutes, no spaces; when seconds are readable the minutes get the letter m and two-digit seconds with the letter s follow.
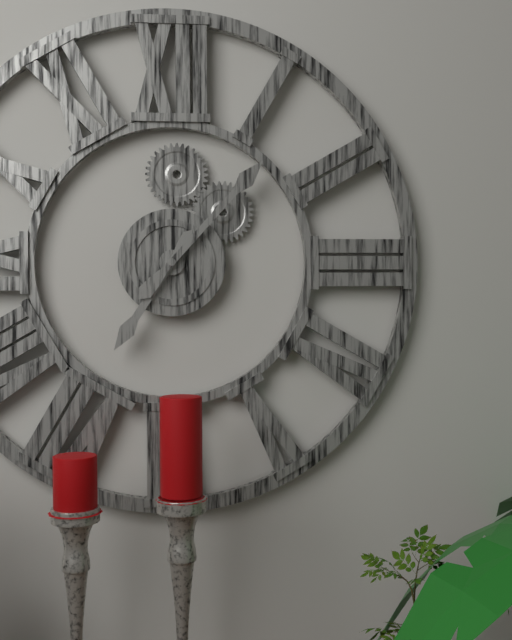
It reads 7h07
